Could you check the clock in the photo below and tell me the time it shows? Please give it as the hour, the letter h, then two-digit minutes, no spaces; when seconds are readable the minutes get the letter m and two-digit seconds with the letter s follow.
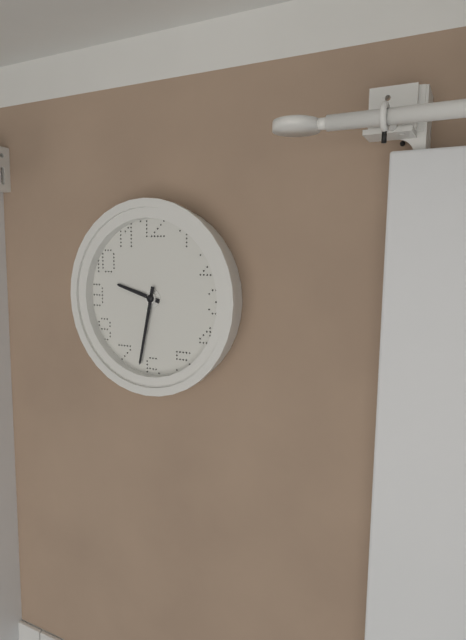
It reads 9h32
